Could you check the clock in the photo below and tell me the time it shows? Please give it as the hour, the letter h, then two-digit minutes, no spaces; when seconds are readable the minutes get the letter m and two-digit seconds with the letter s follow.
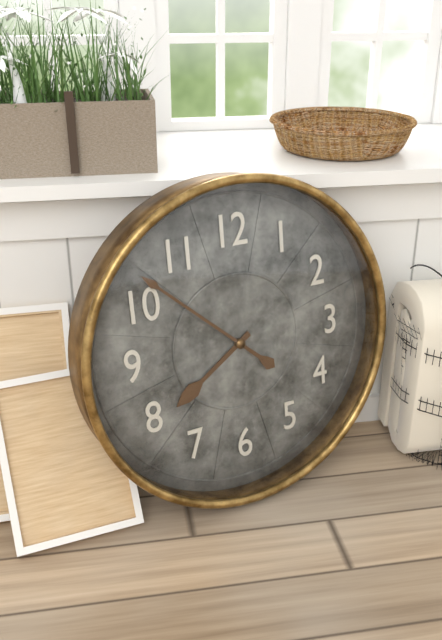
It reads 7h52
